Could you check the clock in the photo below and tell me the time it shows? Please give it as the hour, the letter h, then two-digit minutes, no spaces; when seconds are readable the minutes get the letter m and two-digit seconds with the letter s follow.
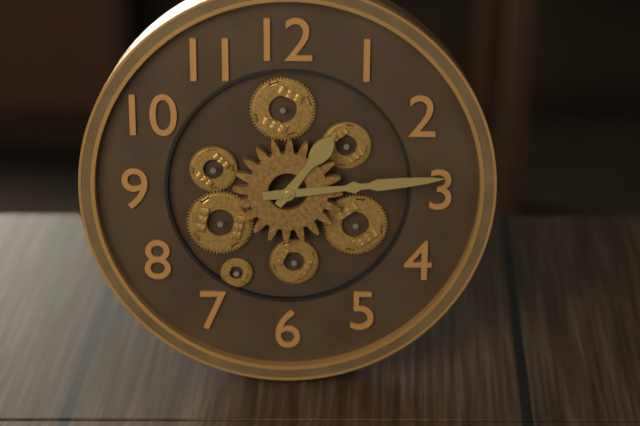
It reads 1h14
